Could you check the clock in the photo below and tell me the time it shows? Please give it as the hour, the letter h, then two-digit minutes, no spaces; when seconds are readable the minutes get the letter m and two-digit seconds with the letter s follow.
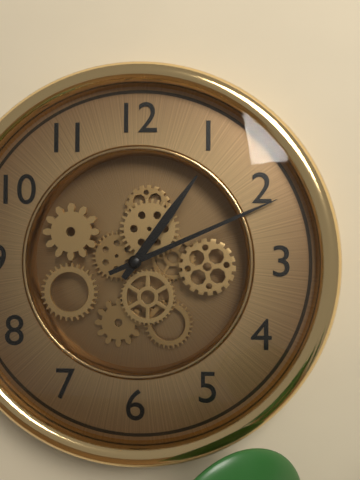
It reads 1h11
